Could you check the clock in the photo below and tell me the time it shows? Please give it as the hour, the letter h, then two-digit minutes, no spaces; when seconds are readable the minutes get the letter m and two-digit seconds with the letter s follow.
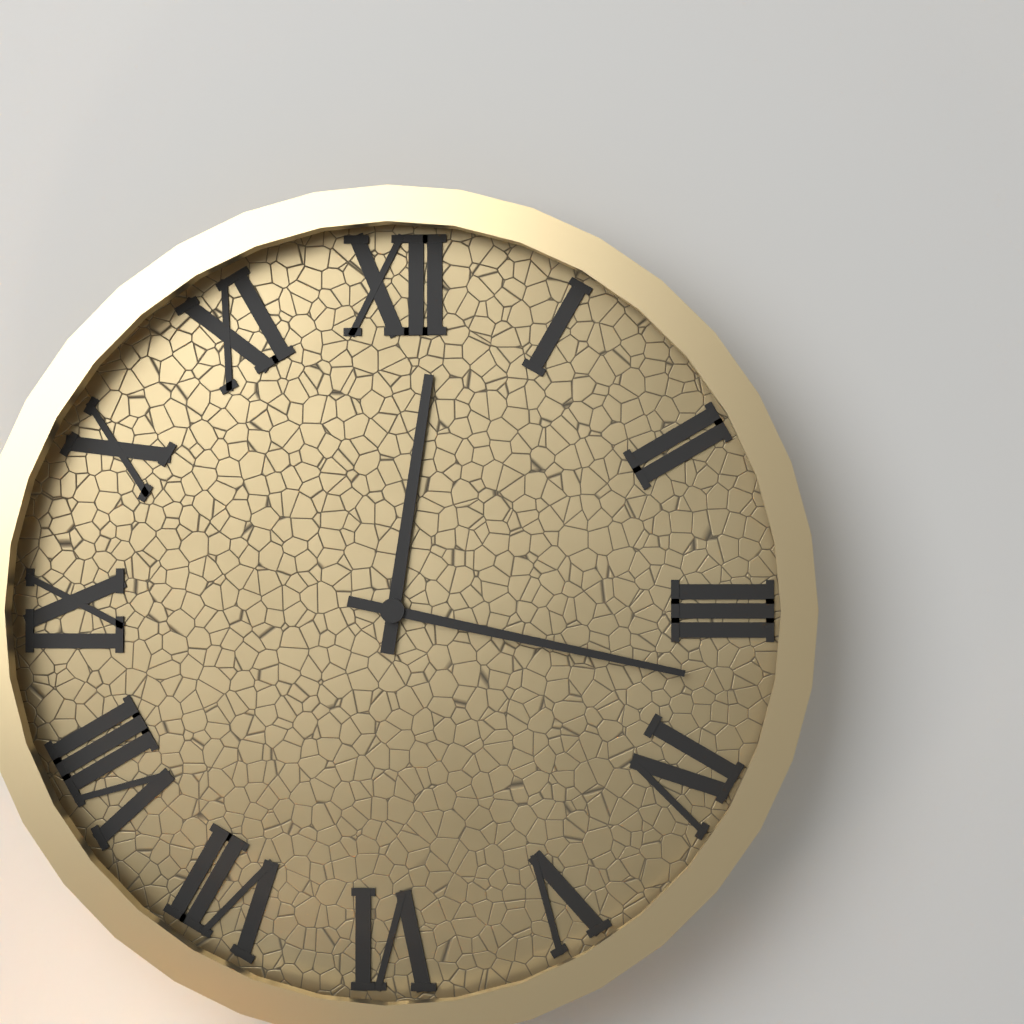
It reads 12h17
